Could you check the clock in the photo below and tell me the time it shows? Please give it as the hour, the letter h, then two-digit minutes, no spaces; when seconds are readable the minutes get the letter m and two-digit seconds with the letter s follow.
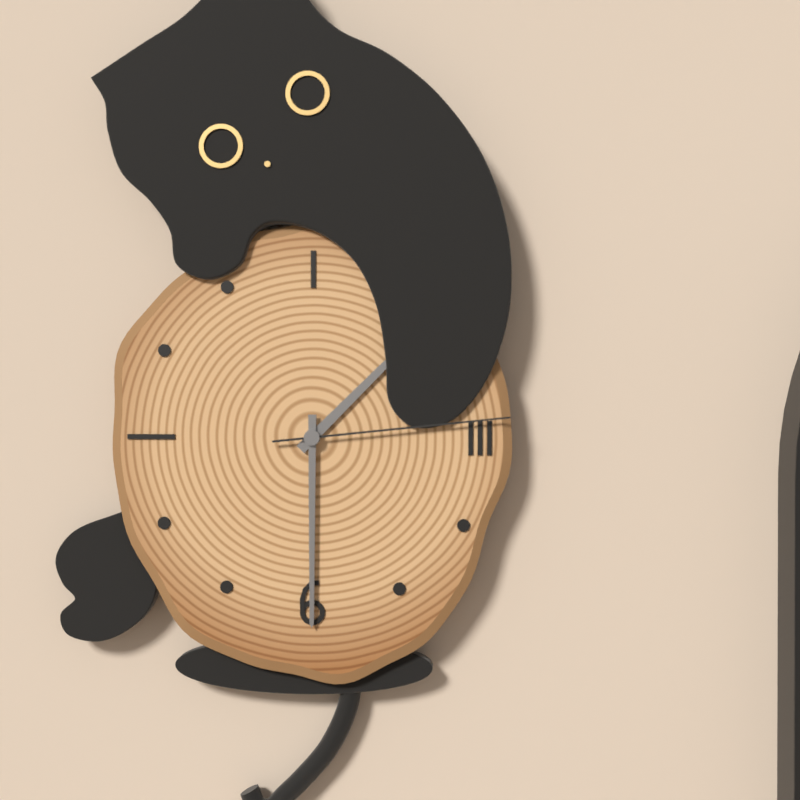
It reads 1h30m14s
